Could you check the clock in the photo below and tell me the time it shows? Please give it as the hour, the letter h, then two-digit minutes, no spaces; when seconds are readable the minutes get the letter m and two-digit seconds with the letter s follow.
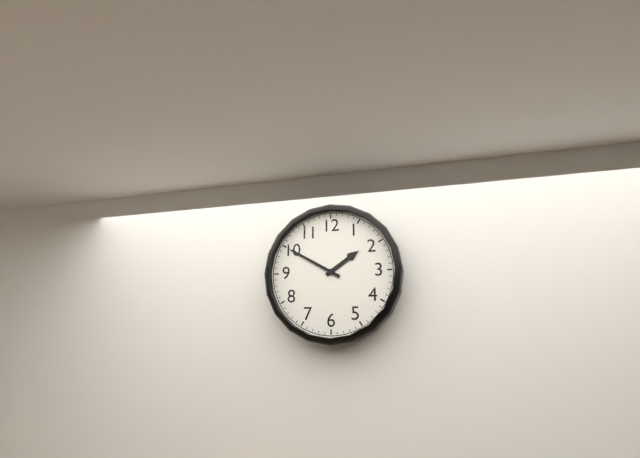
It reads 1h50
